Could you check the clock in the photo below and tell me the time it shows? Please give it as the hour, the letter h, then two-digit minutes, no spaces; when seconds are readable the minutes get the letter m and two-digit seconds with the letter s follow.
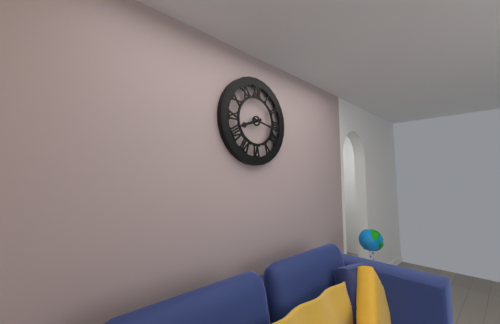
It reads 8h17
